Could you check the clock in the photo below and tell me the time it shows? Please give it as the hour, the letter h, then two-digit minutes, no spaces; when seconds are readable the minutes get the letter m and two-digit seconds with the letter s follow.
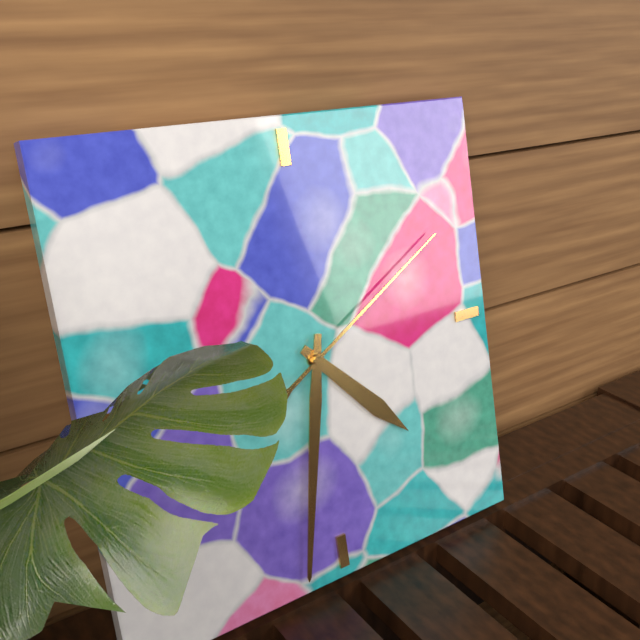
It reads 4h32m10s
